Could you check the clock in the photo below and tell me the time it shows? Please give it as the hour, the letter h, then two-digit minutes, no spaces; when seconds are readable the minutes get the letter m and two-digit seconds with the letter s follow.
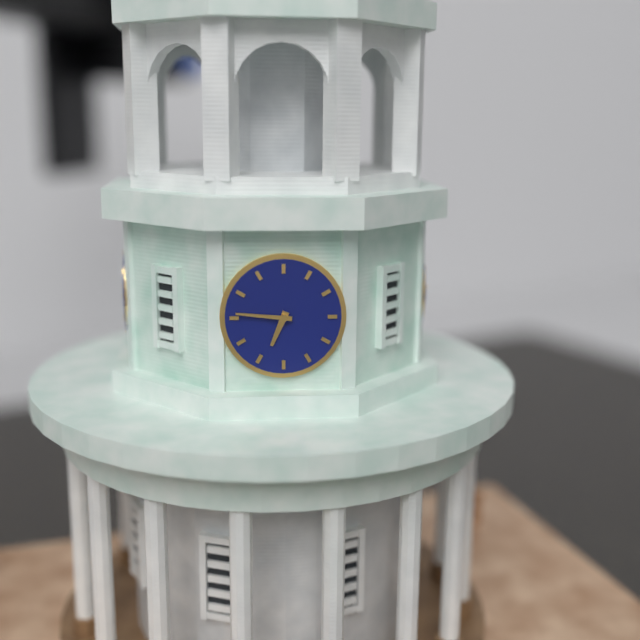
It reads 6h46
